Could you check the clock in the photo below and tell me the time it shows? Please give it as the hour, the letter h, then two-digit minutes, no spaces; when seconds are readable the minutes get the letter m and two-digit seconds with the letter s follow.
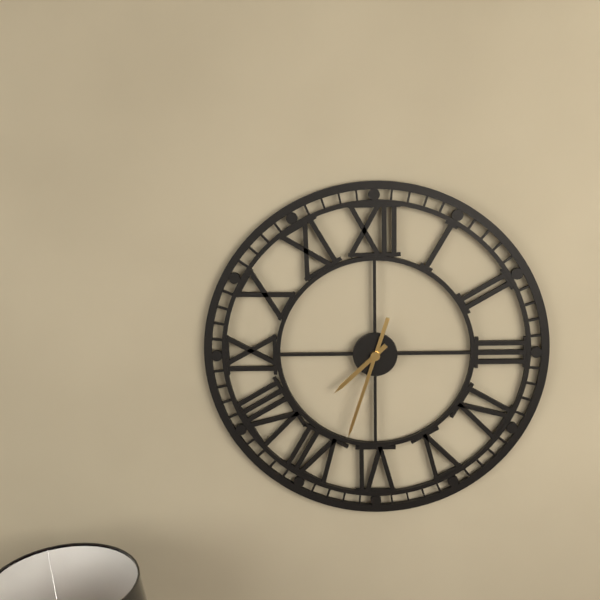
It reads 7h33
